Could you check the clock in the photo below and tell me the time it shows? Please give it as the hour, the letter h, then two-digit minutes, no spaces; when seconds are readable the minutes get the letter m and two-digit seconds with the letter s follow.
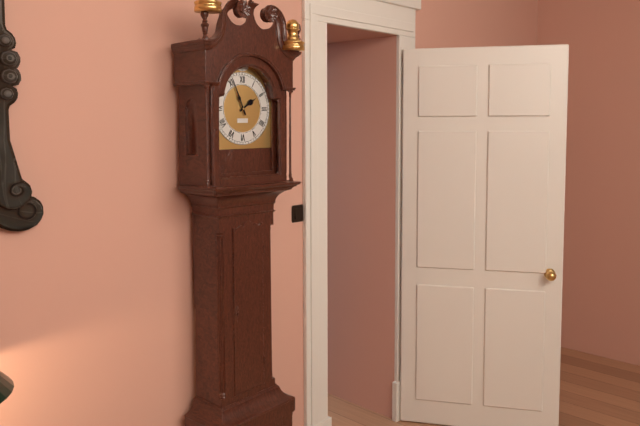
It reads 1h56
